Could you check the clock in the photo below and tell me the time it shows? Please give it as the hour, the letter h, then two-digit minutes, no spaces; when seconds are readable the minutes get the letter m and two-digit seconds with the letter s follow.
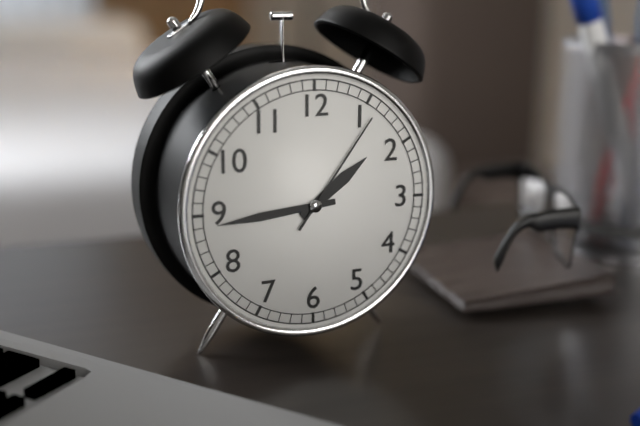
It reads 1h44m06s
